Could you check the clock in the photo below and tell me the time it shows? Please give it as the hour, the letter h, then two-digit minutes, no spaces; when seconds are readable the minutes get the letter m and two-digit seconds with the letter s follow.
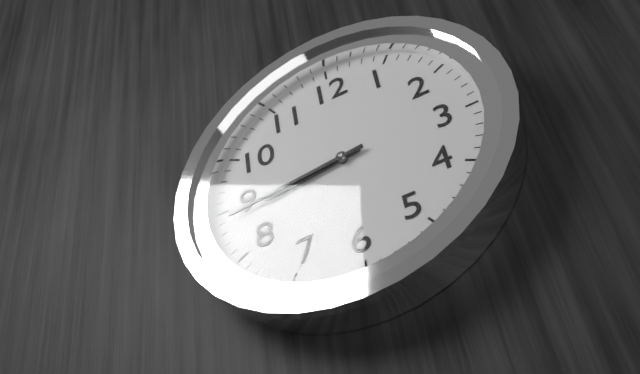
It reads 8h44
